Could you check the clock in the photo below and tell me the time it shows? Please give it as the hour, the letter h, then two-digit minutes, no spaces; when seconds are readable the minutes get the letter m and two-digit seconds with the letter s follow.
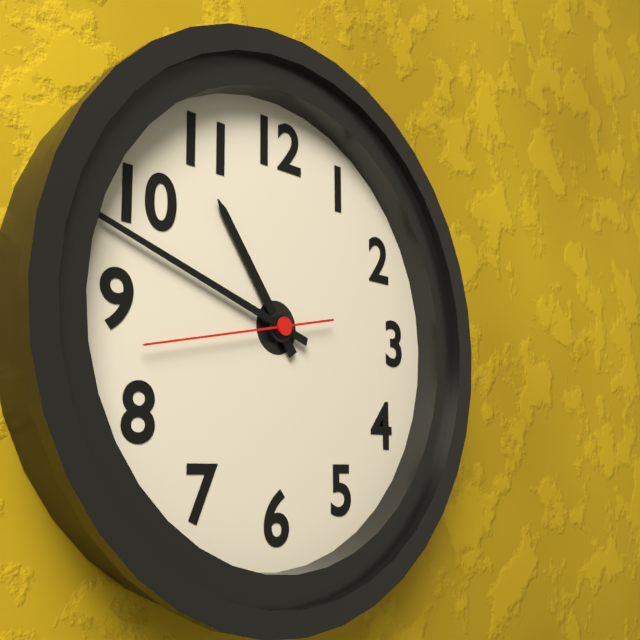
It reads 10h48m43s
